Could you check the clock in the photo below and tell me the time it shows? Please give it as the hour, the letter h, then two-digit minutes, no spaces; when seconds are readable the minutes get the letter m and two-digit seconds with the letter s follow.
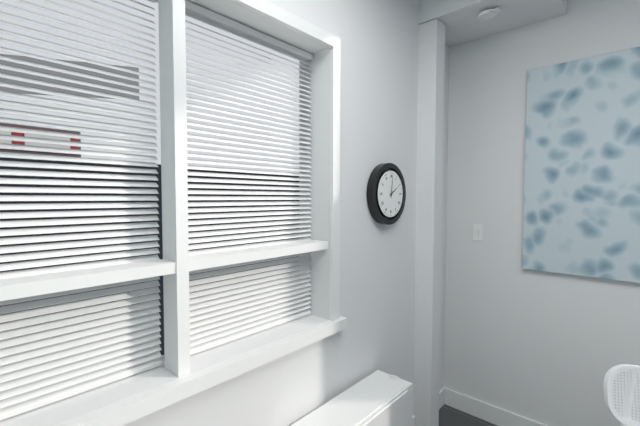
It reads 2h01
